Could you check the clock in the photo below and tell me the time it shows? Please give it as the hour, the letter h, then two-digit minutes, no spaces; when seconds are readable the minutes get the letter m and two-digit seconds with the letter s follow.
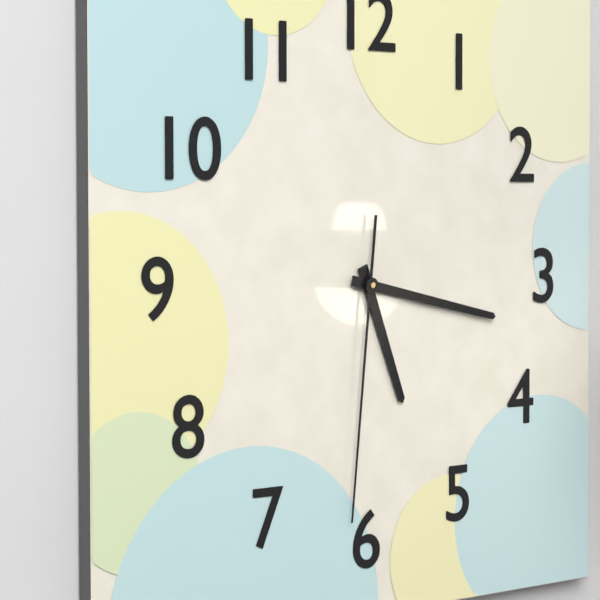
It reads 5h17m31s
